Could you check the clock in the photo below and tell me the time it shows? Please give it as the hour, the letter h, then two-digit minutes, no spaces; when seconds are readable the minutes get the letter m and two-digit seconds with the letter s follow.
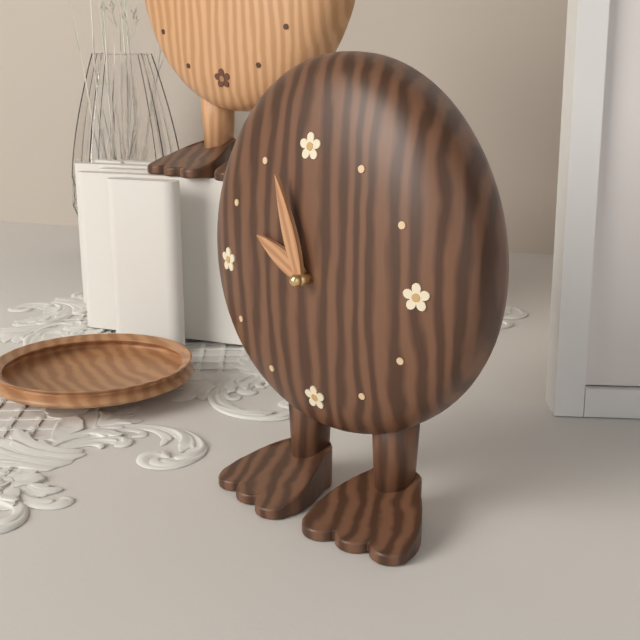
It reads 9h57
